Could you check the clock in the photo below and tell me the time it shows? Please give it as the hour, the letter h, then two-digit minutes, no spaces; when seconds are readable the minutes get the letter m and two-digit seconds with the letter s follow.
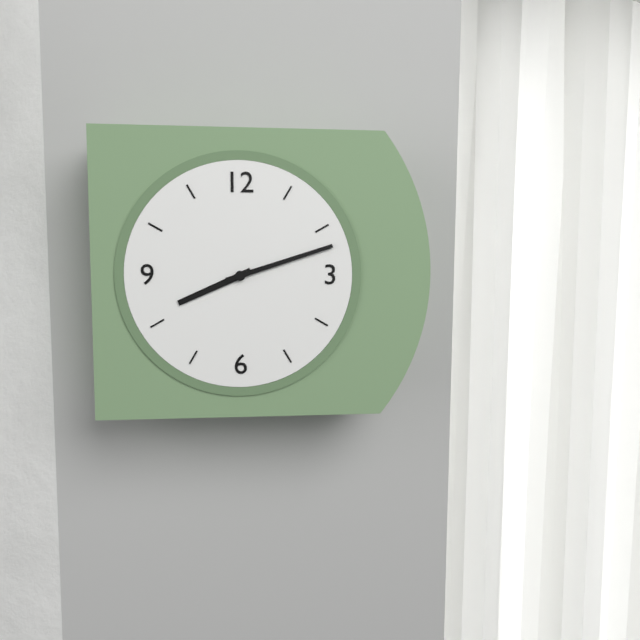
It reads 8h12
